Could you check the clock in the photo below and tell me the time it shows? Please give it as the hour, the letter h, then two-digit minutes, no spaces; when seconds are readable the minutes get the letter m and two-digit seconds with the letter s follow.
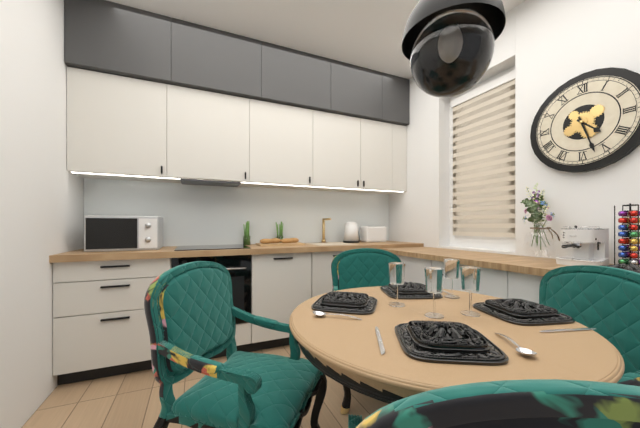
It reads 4h27
